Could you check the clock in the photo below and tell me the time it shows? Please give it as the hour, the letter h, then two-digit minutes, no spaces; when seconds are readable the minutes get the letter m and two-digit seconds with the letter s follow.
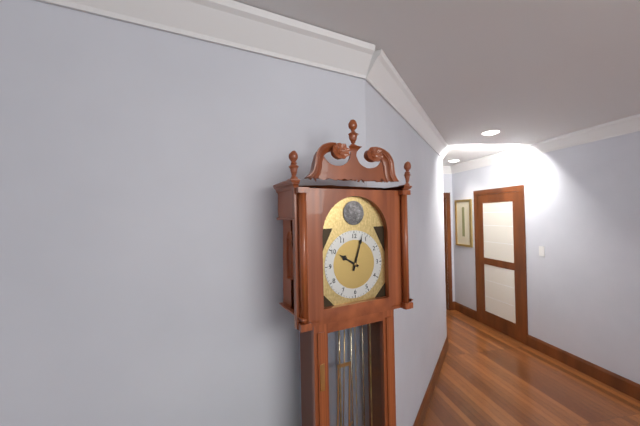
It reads 10h03
